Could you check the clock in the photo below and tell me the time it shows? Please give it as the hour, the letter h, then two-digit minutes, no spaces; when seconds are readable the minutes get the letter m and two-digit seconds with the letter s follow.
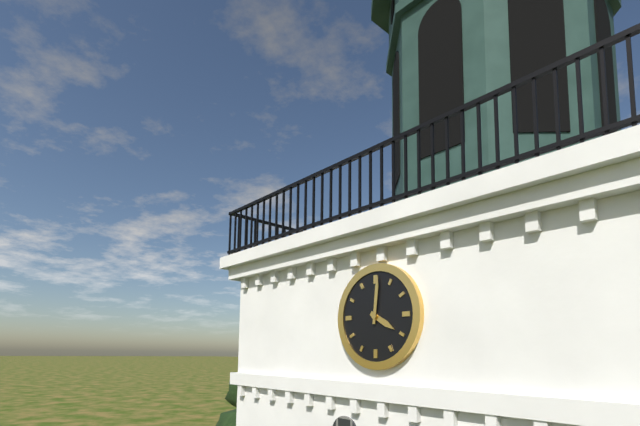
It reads 4h01
